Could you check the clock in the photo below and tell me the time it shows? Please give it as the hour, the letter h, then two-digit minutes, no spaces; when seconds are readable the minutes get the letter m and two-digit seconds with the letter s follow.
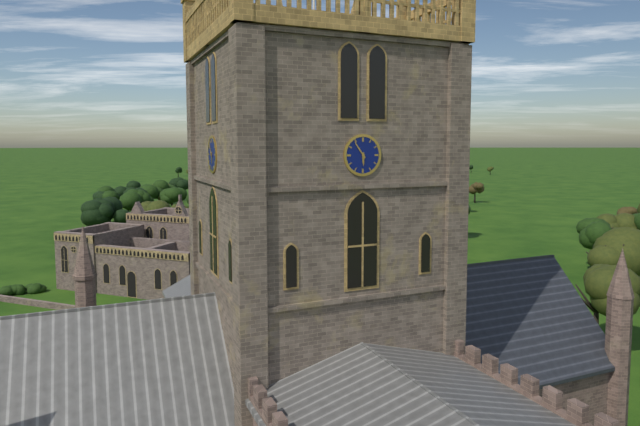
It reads 5h54
